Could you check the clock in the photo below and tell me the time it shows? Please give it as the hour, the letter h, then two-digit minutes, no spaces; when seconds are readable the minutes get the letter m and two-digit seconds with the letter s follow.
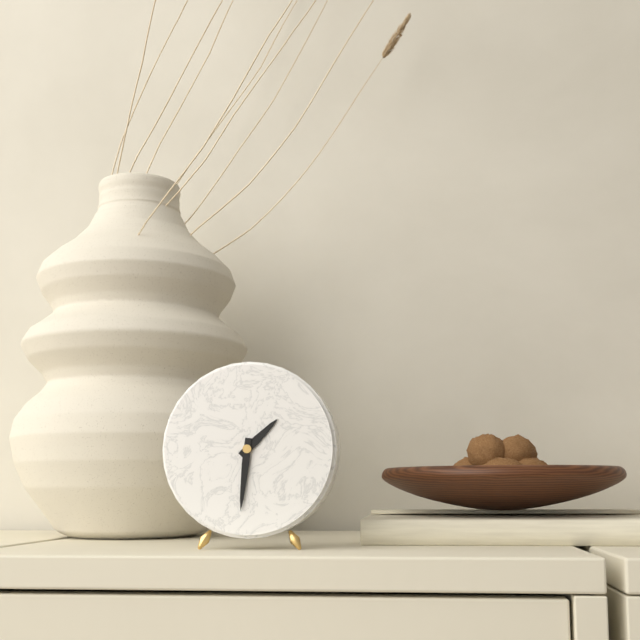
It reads 1h31
